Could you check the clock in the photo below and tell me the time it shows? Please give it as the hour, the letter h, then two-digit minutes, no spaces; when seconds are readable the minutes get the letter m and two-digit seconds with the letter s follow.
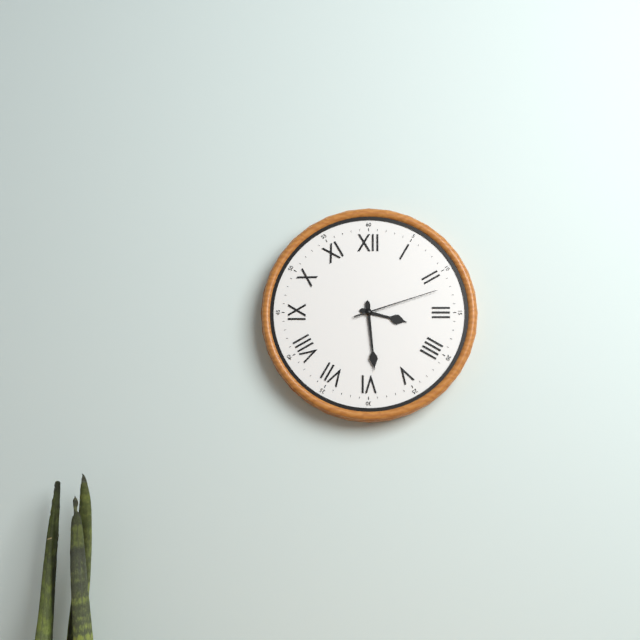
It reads 3h29m12s
